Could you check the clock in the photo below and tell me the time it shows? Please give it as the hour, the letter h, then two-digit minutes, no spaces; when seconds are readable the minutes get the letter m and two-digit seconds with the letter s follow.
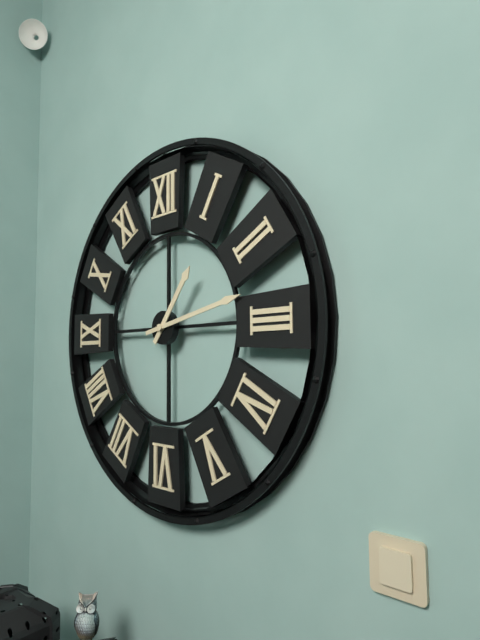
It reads 1h13
